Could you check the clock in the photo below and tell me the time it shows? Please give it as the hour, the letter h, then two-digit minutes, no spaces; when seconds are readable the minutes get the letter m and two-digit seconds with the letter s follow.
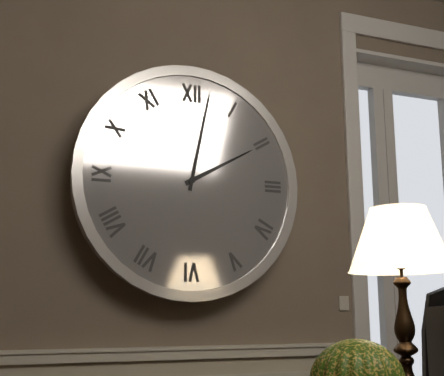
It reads 2h02
